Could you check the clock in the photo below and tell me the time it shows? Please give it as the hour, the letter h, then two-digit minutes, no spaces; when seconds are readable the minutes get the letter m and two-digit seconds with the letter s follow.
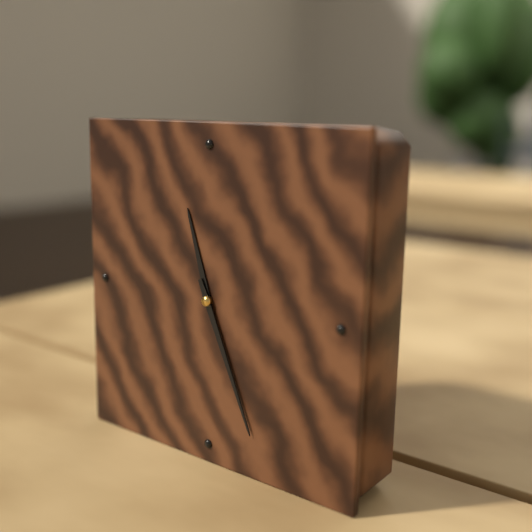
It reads 11h26
